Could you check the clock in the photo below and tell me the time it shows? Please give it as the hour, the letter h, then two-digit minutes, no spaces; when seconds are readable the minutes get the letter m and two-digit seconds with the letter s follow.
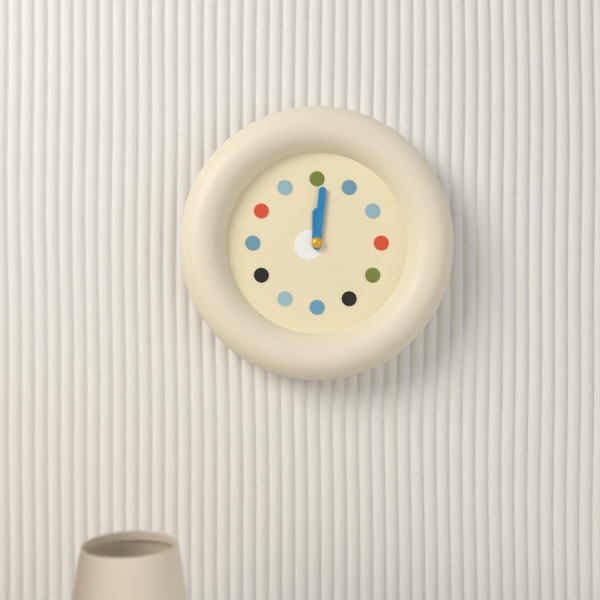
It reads 12h01
